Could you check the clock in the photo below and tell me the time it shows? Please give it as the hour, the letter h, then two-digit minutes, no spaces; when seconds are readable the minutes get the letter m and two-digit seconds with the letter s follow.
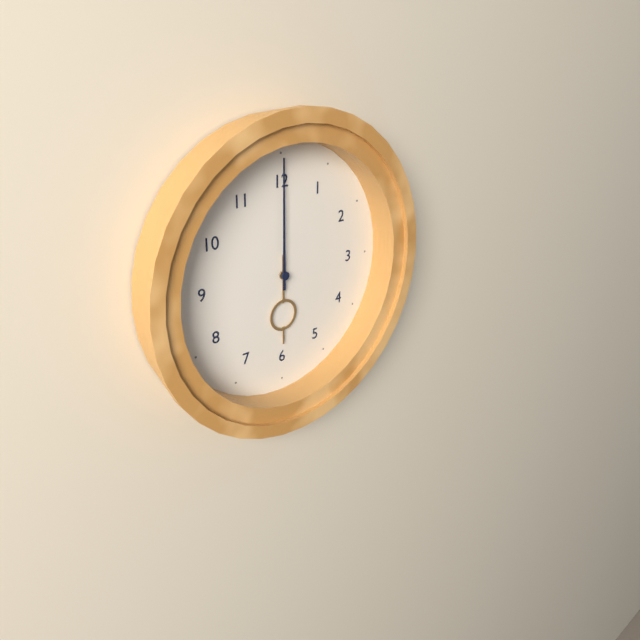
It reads 6h00
